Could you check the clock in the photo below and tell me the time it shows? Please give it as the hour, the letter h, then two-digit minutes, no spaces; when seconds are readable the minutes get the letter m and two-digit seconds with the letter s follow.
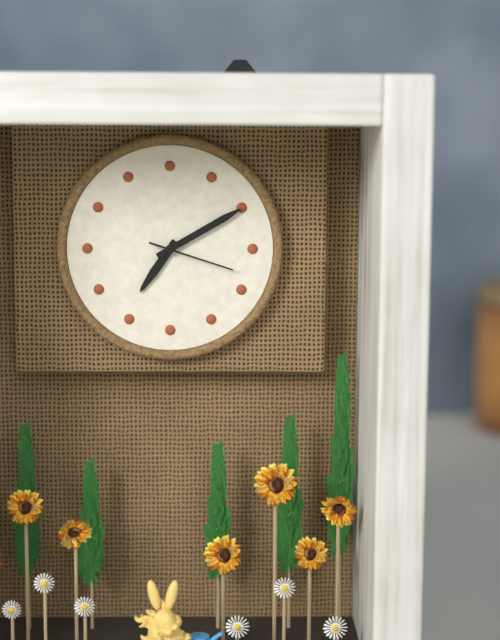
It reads 7h10m18s
